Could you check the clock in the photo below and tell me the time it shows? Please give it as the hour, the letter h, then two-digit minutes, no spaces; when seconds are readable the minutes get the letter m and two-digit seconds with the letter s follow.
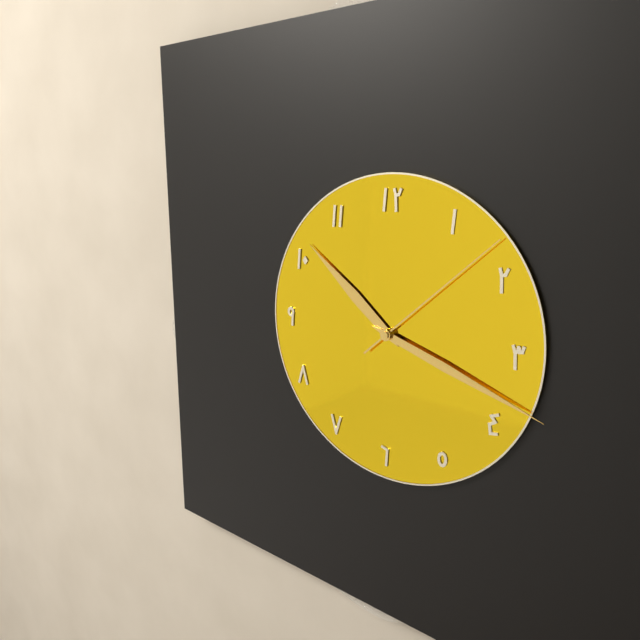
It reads 10h18m08s
